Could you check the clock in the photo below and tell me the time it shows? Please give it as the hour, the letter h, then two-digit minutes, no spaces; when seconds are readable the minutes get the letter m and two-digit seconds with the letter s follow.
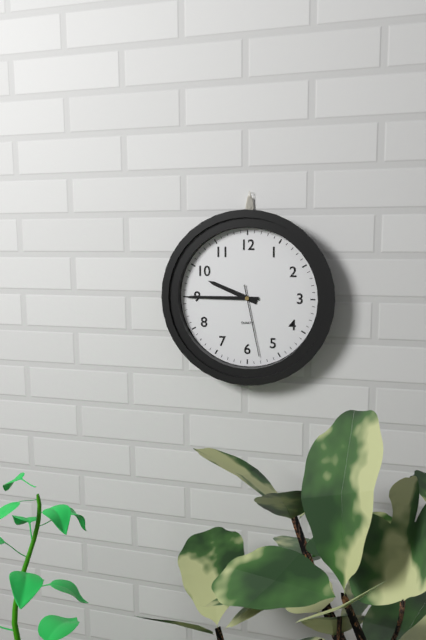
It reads 9h45m28s
